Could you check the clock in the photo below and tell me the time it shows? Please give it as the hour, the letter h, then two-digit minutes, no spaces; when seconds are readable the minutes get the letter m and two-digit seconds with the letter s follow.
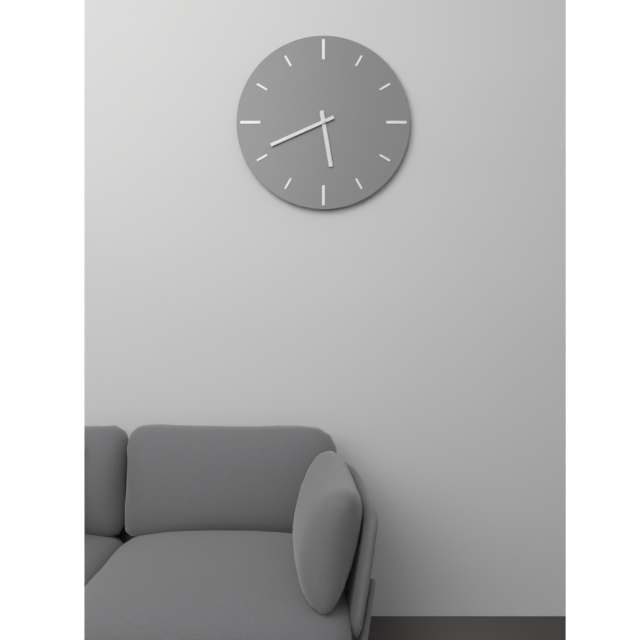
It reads 5h41
